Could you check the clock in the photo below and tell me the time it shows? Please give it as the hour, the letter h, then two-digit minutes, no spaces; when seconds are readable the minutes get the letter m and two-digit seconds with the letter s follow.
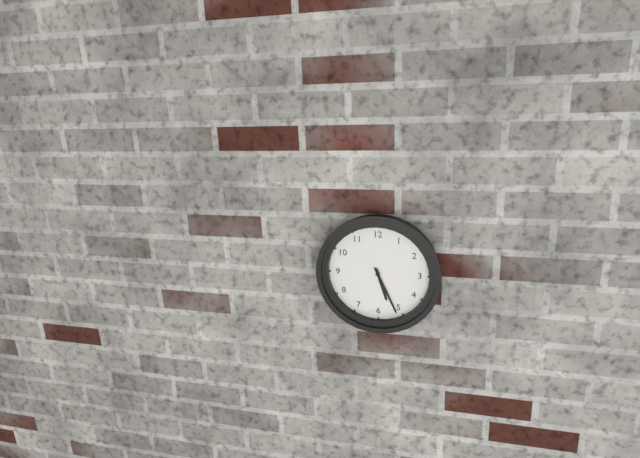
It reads 5h26
